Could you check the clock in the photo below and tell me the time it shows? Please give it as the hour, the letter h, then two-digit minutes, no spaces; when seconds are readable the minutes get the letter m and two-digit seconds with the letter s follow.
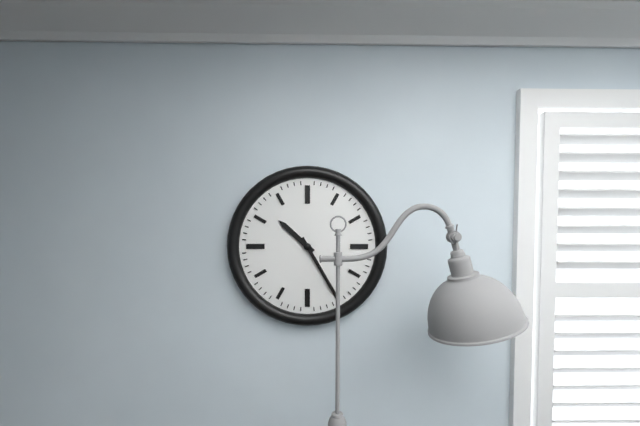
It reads 10h25
